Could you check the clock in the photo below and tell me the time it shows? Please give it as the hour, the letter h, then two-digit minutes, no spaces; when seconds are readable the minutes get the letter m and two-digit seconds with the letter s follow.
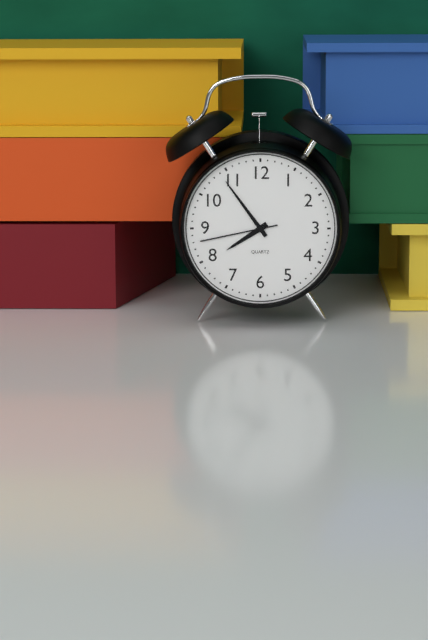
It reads 7h54m43s
